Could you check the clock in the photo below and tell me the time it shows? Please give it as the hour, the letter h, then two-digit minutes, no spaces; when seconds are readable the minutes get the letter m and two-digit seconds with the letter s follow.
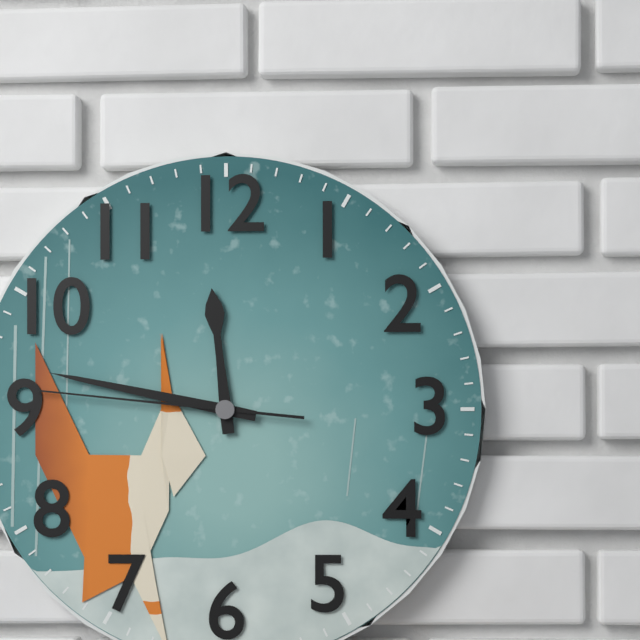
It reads 11h47m46s
